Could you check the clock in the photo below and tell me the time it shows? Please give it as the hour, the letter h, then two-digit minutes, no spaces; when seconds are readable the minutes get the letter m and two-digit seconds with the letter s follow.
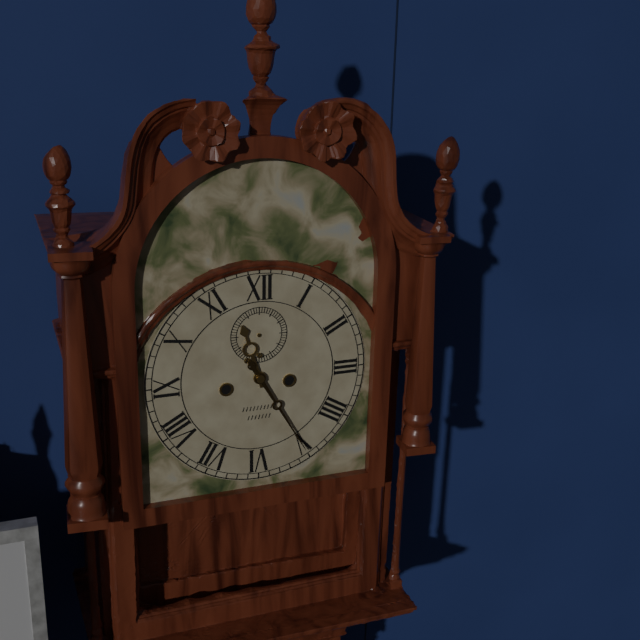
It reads 11h25
